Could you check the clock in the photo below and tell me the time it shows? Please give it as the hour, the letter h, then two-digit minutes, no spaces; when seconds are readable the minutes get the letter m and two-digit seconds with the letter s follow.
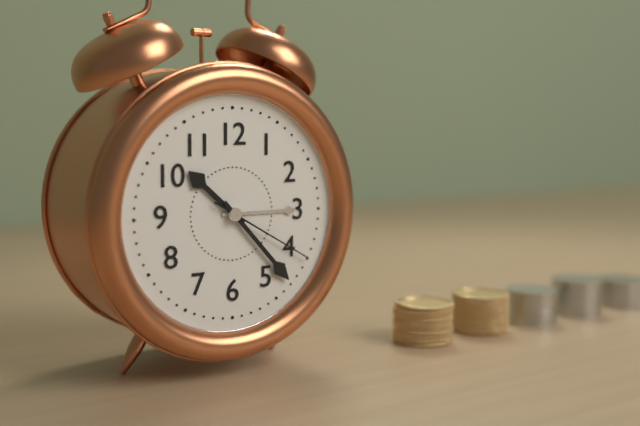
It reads 10h23m20s
